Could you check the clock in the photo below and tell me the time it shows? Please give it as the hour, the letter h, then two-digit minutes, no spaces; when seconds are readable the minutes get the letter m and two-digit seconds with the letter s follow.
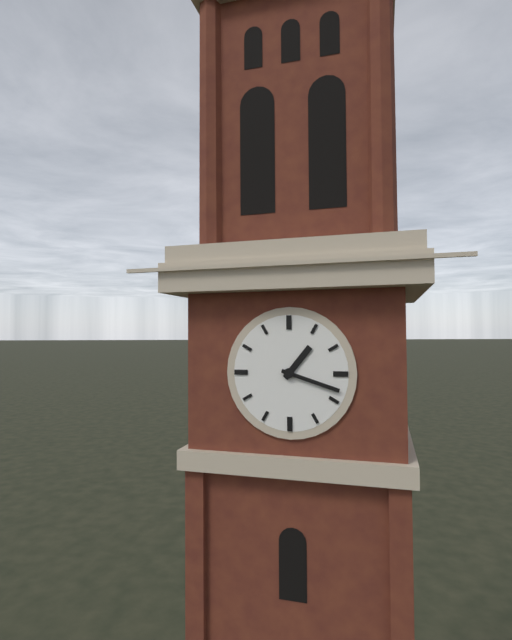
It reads 1h18
